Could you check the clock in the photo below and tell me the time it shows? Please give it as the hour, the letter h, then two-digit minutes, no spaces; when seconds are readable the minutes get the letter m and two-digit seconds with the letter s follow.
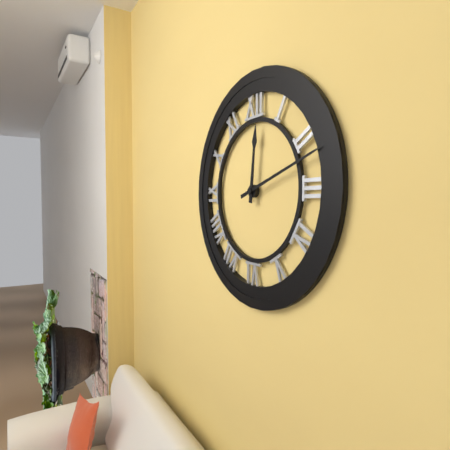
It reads 12h12
